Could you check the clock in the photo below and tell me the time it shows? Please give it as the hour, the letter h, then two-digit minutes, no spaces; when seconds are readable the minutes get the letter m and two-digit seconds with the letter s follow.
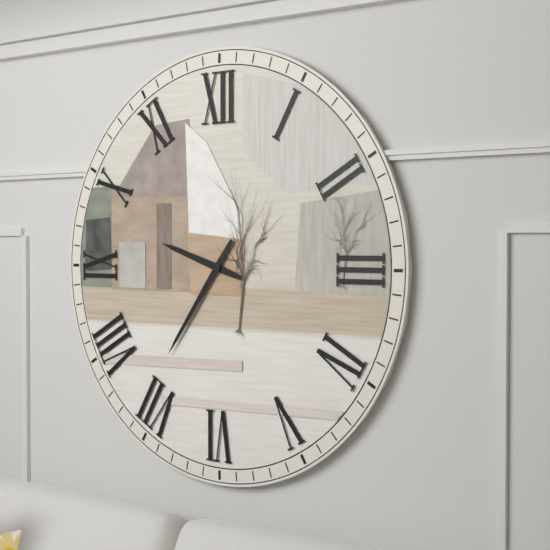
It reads 9h36
